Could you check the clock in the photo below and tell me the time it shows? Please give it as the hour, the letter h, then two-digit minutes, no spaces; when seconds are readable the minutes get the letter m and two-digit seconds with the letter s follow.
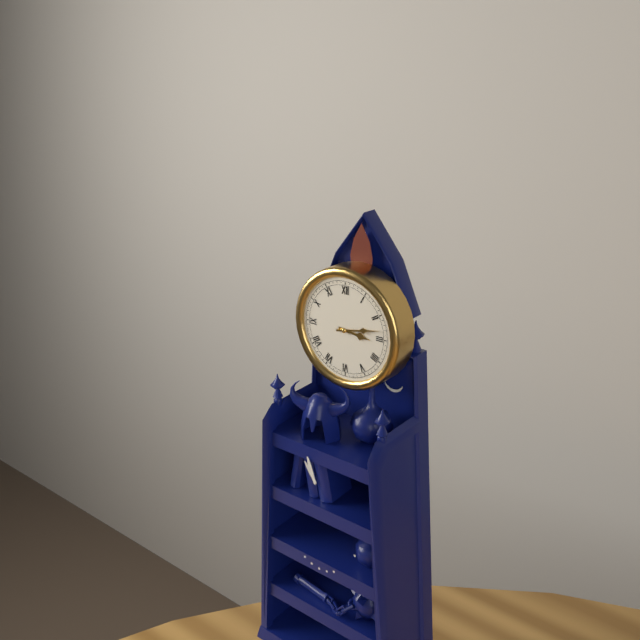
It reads 3h13
